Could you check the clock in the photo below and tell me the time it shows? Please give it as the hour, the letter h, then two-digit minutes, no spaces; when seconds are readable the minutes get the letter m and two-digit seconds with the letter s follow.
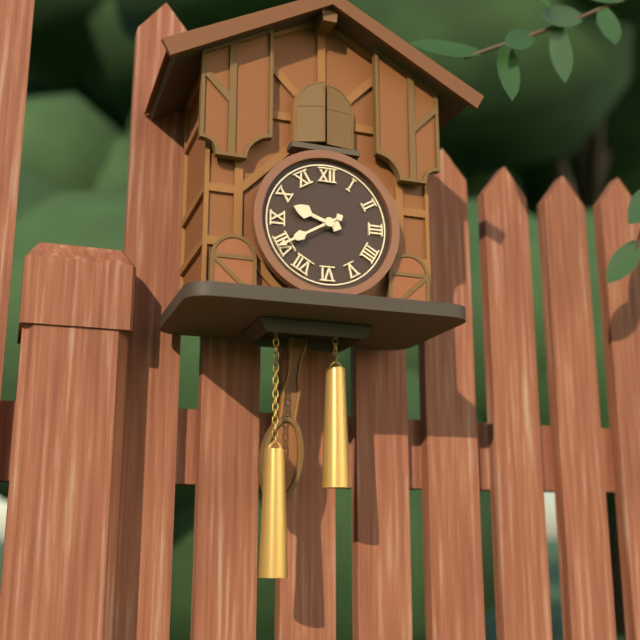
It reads 9h40
